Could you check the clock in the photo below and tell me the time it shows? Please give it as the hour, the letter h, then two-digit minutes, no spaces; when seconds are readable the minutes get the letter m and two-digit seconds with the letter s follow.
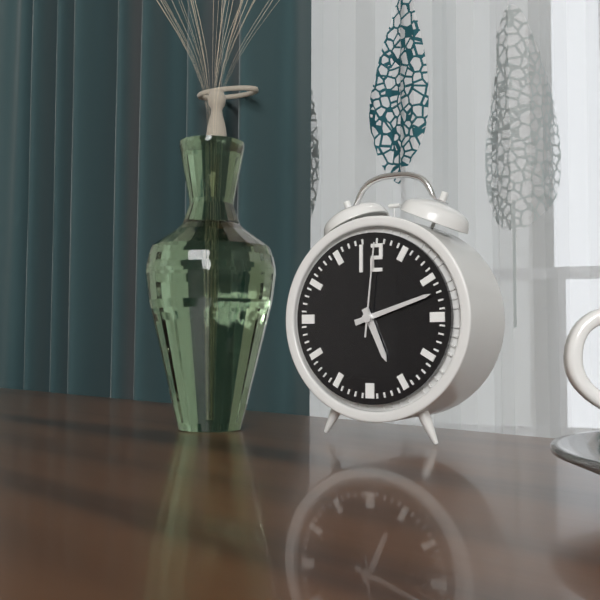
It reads 5h12m01s
